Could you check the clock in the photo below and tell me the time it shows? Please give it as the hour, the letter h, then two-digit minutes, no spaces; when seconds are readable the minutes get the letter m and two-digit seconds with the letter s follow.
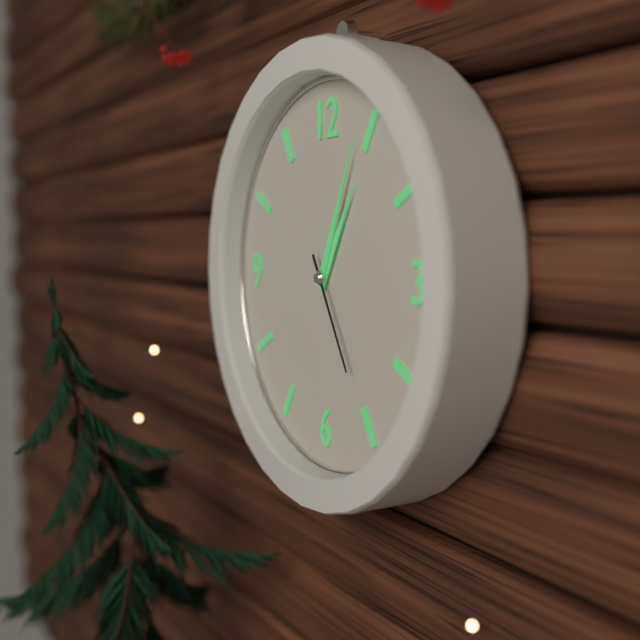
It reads 1h04m25s
